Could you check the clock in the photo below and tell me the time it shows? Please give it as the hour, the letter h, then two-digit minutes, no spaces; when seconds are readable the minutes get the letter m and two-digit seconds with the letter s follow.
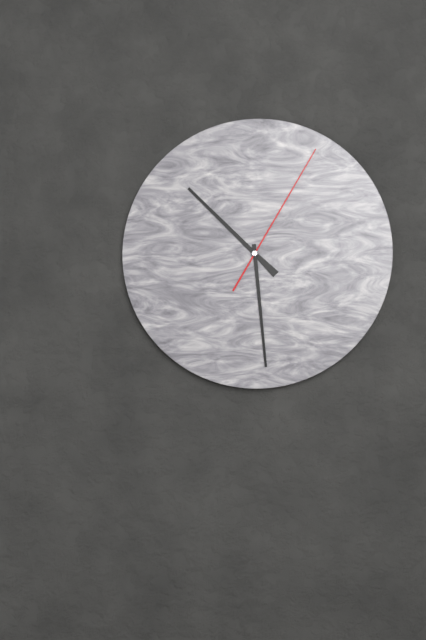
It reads 10h29m05s
